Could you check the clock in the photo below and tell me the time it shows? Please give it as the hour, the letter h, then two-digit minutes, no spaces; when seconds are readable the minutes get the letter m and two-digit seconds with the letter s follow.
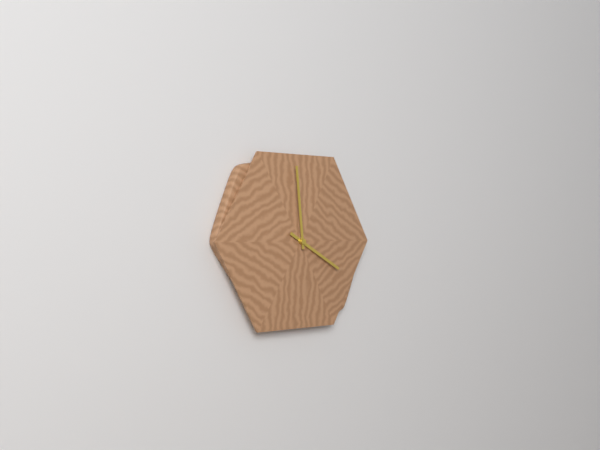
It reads 3h59
